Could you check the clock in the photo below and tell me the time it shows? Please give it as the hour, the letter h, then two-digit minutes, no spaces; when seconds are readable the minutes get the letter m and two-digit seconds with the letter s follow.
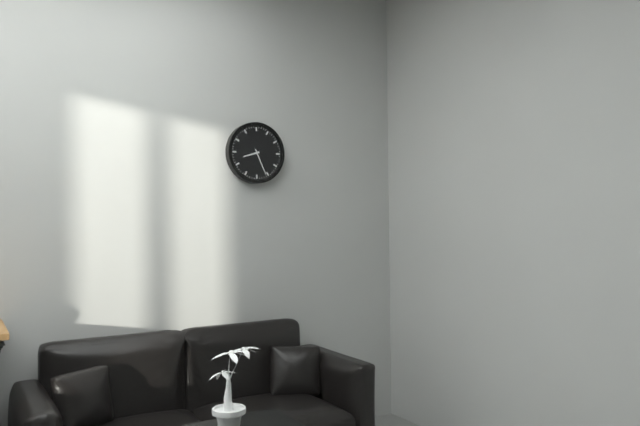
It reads 8h26
